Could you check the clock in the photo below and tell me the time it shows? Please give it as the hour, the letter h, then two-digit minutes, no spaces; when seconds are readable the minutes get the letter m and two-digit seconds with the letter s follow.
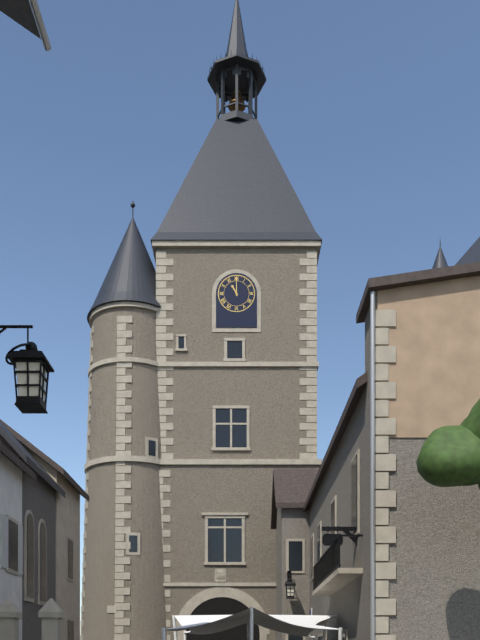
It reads 11h00
